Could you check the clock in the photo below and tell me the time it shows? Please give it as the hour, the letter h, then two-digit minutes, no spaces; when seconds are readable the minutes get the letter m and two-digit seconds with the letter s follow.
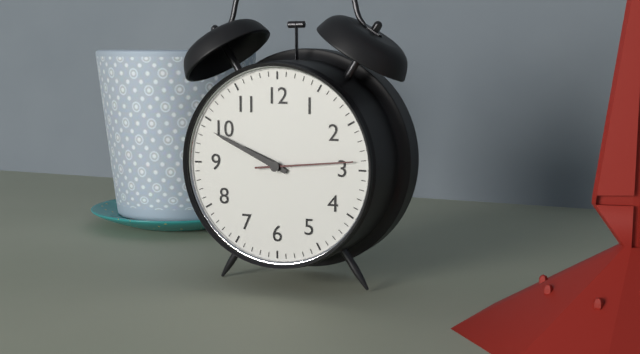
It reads 9h49m14s
